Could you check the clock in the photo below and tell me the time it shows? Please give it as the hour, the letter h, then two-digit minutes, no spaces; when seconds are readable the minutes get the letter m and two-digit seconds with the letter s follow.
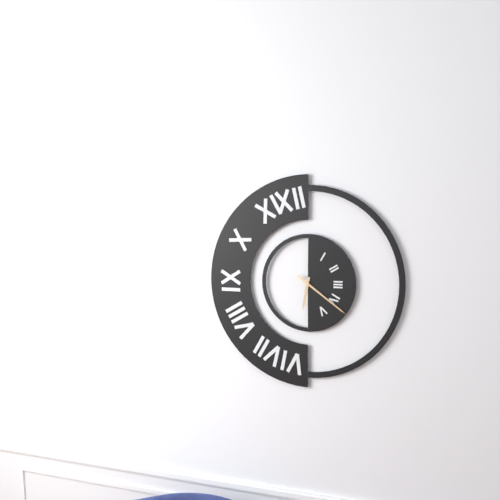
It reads 6h21
